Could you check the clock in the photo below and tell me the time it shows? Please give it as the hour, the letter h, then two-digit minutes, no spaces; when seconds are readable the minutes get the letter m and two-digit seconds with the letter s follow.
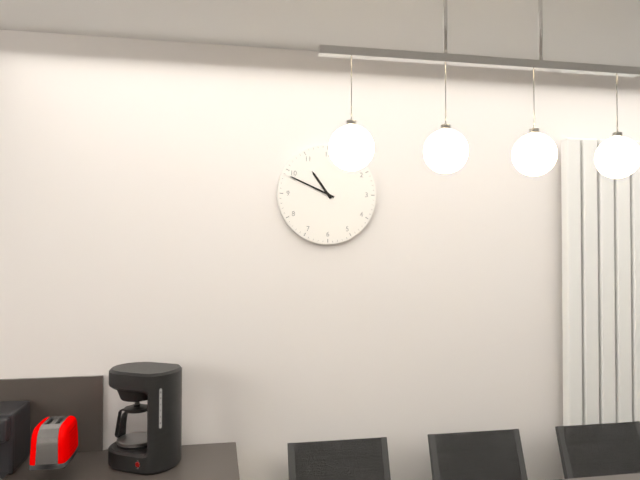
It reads 10h49
